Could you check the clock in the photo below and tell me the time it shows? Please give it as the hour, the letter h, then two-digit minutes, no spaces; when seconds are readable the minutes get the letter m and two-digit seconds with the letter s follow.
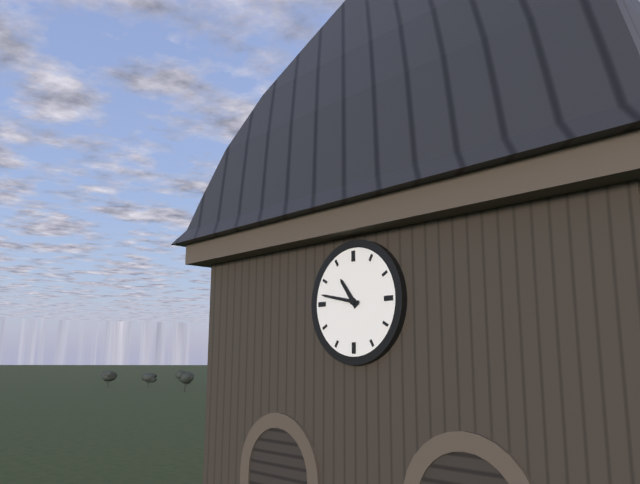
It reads 10h47
